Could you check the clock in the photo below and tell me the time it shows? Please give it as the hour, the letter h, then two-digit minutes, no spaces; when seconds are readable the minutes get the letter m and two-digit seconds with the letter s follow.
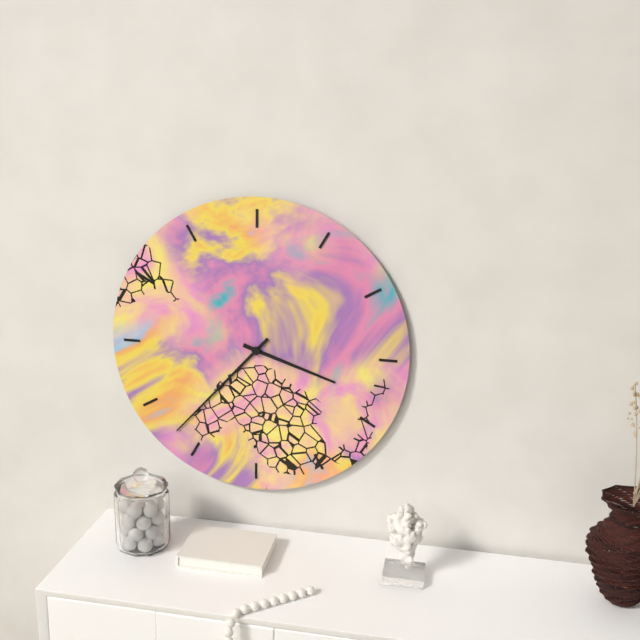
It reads 3h37
